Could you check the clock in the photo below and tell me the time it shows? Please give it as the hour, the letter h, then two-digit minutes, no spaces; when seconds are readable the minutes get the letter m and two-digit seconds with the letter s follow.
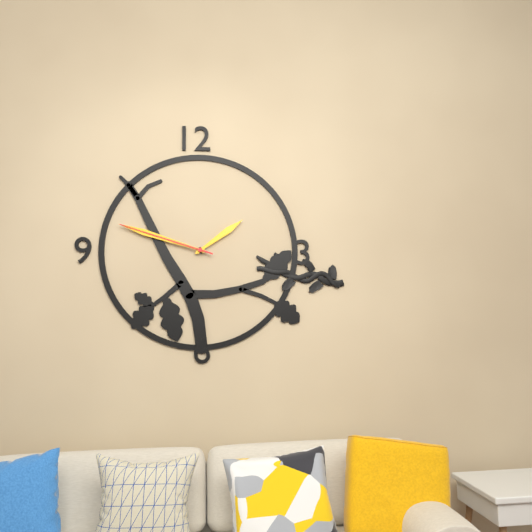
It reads 1h48m48s
